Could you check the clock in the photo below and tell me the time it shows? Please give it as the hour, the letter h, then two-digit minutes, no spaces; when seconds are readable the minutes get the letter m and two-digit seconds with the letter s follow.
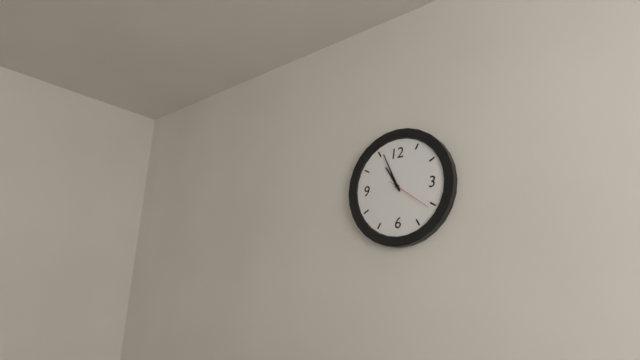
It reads 10h56
